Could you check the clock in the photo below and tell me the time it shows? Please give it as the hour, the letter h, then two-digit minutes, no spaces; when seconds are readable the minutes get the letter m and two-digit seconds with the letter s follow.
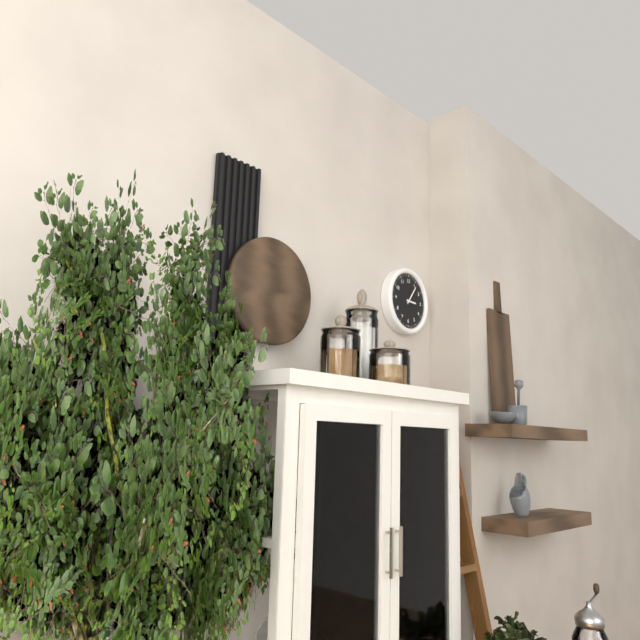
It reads 3h06
